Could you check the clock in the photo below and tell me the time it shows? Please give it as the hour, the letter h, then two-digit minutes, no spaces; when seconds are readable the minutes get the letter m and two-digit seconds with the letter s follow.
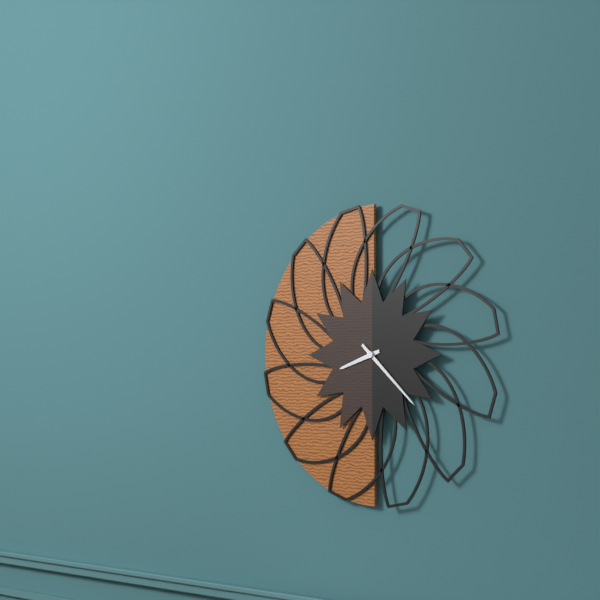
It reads 8h22
